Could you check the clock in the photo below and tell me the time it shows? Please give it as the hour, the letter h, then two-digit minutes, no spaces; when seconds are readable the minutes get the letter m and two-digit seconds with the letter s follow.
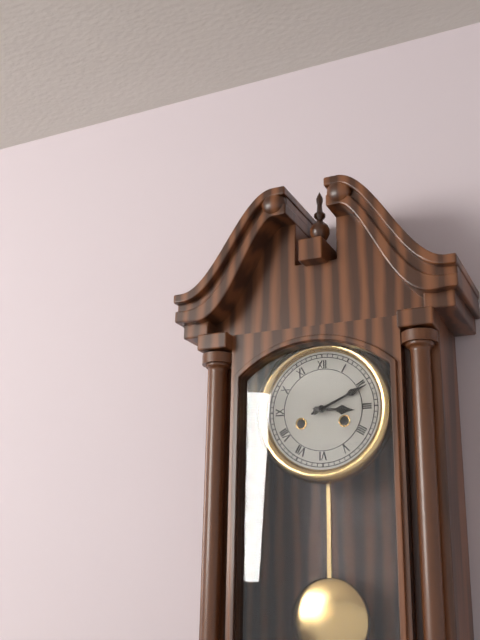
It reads 3h11
